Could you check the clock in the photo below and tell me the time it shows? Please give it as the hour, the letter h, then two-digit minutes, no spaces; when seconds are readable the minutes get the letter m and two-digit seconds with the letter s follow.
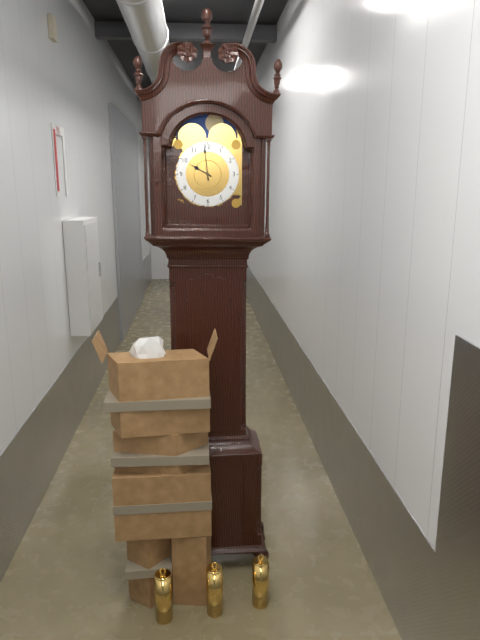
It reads 9h59
